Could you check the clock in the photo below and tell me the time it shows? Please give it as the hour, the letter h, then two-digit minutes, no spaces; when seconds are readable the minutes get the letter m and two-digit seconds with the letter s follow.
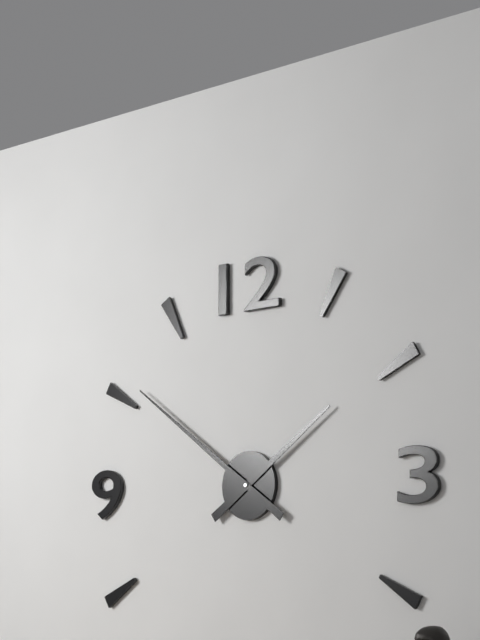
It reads 1h51
